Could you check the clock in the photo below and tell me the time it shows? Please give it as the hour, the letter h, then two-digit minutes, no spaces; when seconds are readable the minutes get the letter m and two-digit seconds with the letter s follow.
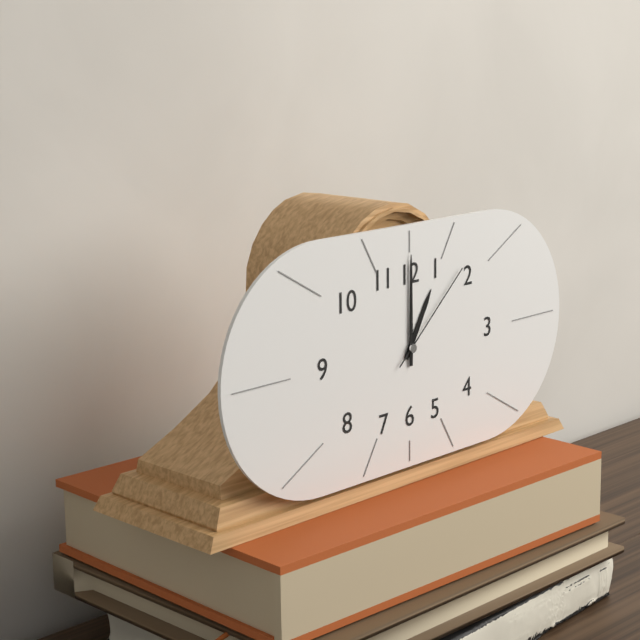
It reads 1h00m08s
